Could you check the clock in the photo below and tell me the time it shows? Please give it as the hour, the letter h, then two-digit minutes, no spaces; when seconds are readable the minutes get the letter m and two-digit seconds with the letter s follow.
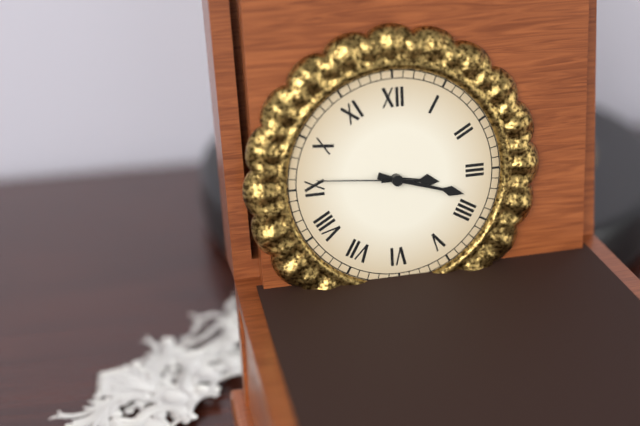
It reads 3h18m46s
